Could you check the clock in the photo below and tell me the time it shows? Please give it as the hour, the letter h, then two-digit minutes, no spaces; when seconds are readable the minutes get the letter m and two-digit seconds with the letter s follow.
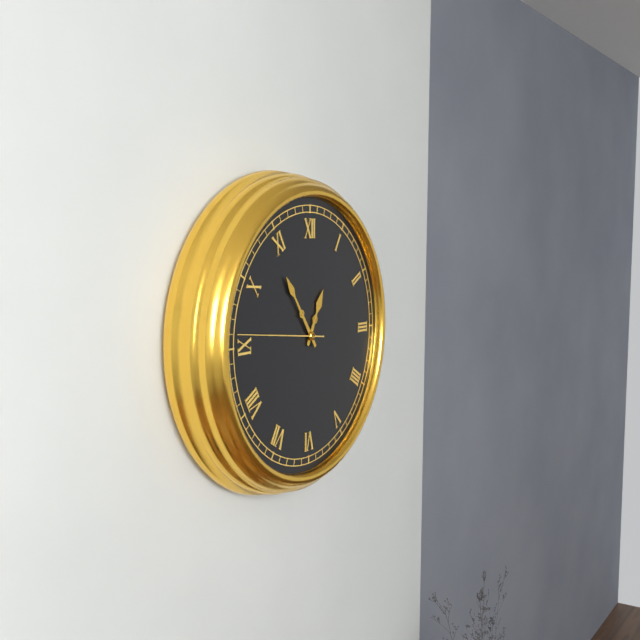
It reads 12h54
